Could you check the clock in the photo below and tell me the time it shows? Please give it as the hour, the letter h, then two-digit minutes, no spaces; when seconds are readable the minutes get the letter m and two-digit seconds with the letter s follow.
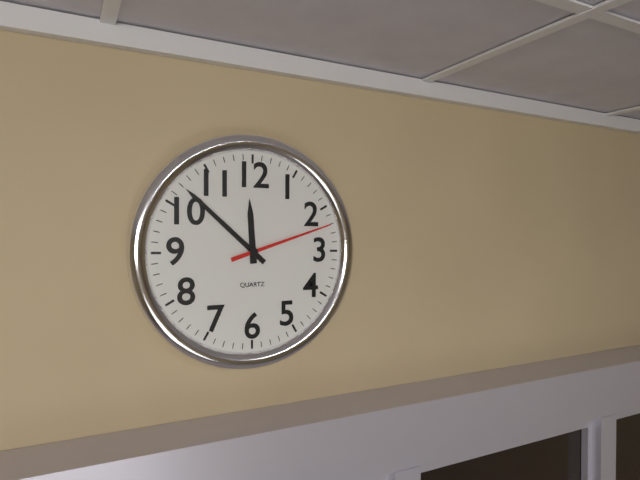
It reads 11h52m12s
